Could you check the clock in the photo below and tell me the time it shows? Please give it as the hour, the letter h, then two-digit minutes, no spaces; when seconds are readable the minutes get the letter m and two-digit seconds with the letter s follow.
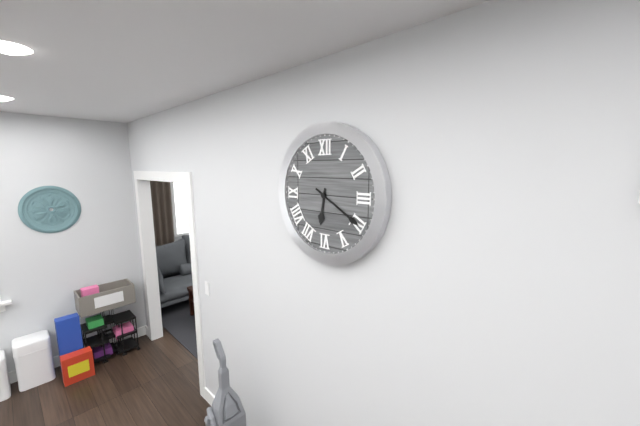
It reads 6h20
